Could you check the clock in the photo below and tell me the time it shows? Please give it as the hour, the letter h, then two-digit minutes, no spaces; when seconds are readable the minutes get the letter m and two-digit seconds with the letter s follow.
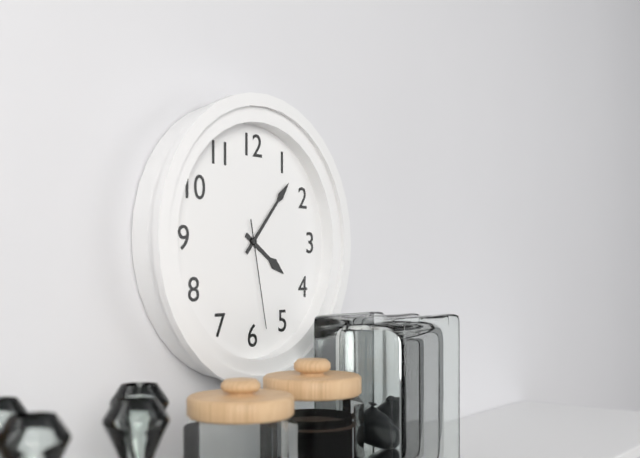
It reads 4h07m28s
